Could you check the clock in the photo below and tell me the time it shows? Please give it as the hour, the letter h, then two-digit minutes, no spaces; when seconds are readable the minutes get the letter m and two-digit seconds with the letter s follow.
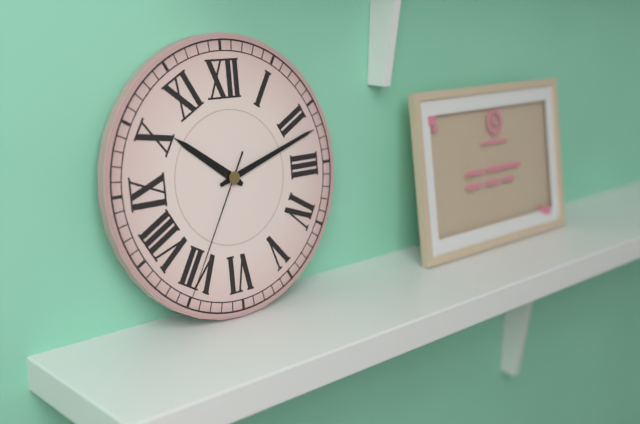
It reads 10h12m35s
